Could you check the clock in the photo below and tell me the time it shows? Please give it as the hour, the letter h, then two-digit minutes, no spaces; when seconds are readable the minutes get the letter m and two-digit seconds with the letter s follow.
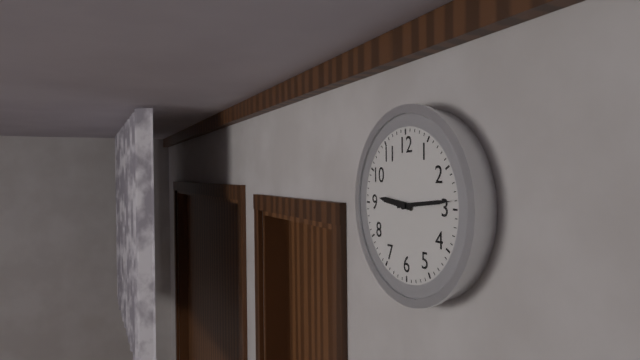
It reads 9h14
